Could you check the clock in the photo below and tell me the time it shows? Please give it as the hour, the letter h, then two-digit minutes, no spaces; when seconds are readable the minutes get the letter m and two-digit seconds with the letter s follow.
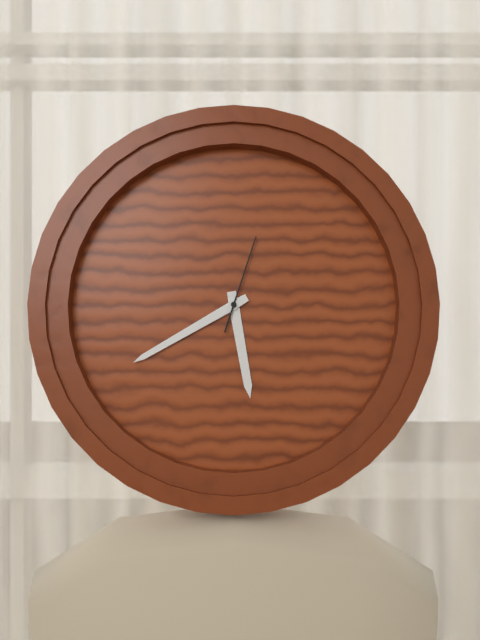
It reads 5h40m03s
